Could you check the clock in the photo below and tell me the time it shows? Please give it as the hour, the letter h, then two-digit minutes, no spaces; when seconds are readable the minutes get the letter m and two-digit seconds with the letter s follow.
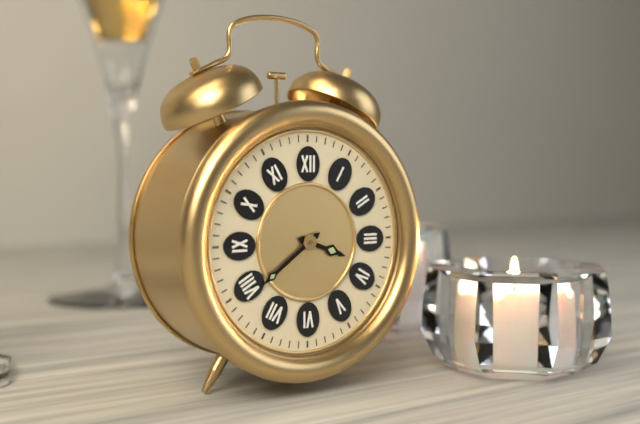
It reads 3h39
